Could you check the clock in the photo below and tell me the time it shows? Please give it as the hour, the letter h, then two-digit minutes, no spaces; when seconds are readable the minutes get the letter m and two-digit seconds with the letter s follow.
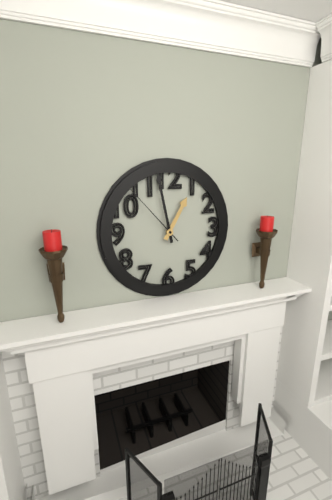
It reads 12h58m53s
